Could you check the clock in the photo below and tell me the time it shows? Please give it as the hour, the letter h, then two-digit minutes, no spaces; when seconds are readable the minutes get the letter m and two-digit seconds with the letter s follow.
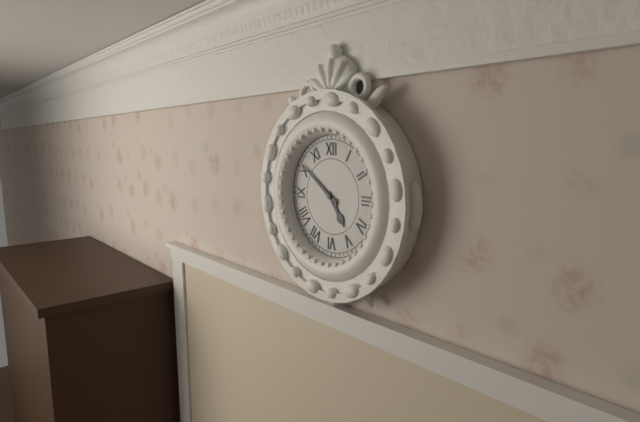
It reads 4h51
